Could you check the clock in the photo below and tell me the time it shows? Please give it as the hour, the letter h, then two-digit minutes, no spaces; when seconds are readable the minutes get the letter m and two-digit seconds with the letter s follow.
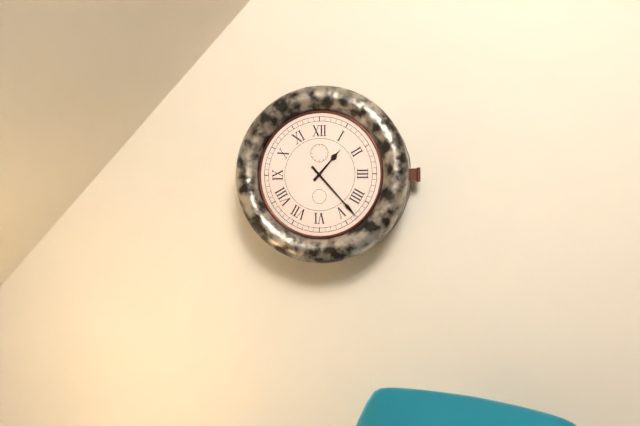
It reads 1h23
